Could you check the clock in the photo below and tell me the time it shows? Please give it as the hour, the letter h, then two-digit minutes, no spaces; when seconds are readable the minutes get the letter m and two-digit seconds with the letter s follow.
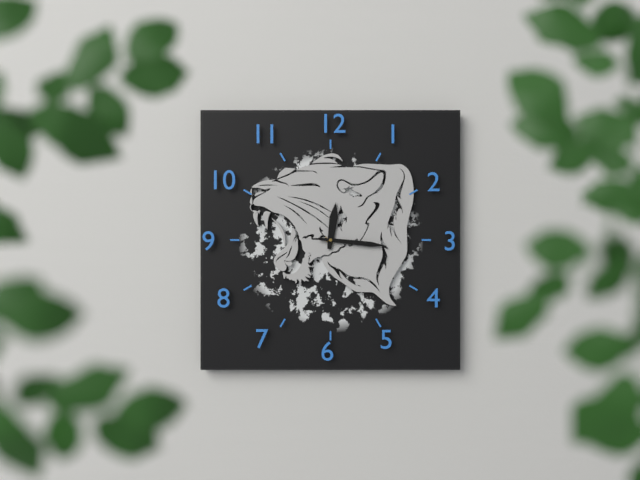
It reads 12h16
